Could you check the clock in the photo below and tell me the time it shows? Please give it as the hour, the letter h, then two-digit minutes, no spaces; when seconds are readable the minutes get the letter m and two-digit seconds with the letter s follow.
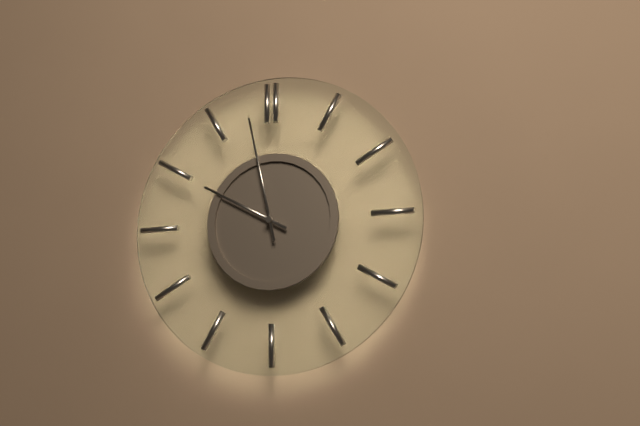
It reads 9h58
